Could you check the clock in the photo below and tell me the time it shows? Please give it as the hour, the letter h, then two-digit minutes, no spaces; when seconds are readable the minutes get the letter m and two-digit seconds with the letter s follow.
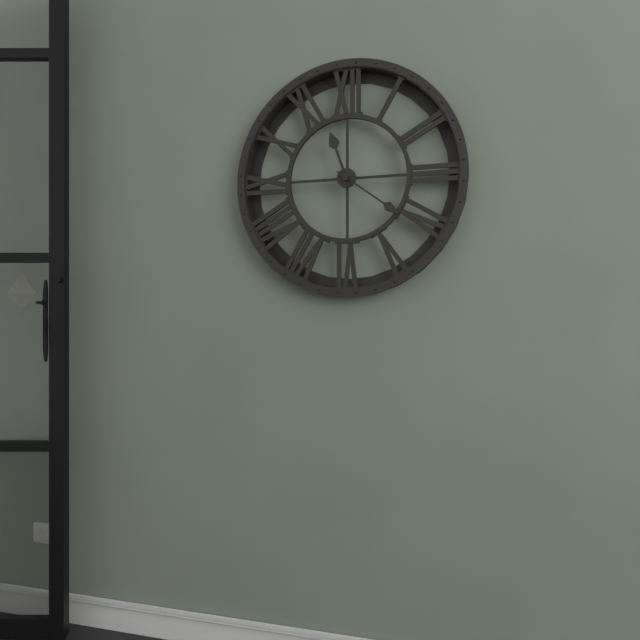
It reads 11h21
